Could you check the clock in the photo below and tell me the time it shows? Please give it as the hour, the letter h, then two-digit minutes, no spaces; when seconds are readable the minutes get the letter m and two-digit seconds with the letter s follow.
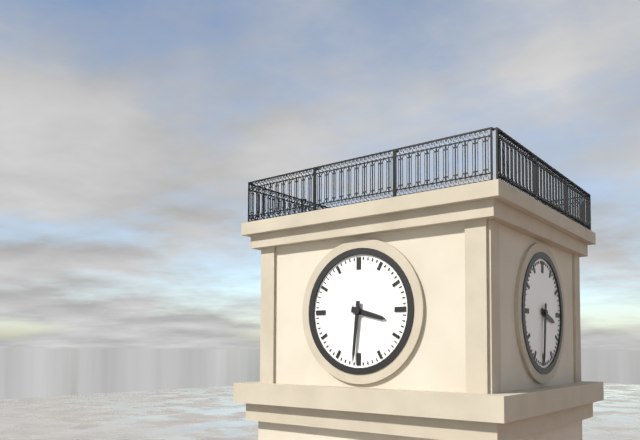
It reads 3h31
